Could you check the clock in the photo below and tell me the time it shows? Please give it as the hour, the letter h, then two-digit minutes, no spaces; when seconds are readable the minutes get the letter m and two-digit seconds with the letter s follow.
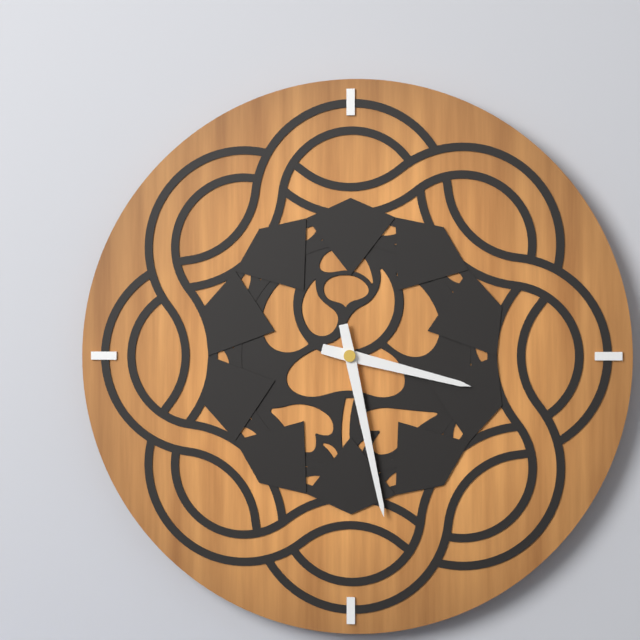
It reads 3h28
